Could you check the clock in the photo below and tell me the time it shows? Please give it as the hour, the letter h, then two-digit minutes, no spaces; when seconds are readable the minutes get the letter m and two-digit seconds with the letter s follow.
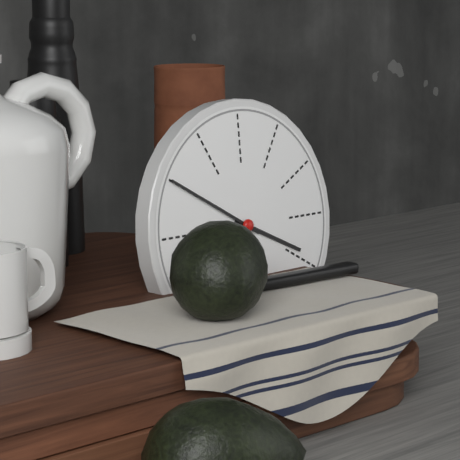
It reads 3h50
